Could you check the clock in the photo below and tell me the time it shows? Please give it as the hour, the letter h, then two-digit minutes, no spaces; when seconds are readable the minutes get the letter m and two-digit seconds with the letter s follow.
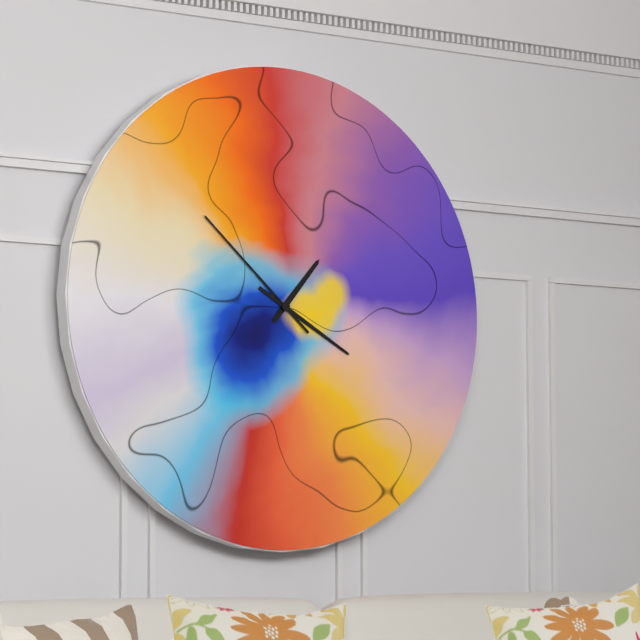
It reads 1h20m52s
